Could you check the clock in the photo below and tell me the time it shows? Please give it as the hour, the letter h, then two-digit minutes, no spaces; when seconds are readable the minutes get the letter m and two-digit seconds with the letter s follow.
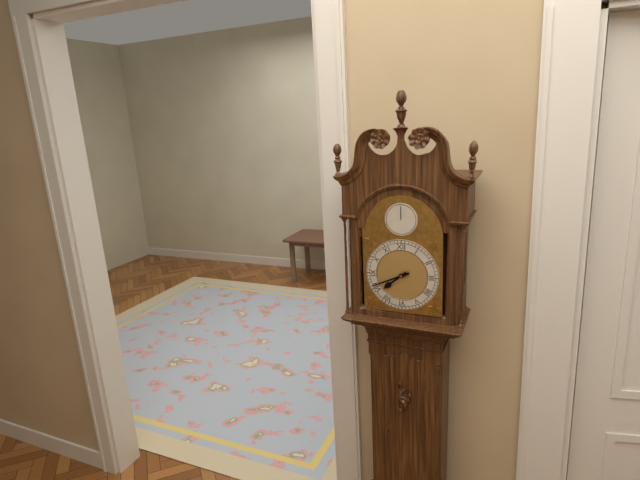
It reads 7h41
